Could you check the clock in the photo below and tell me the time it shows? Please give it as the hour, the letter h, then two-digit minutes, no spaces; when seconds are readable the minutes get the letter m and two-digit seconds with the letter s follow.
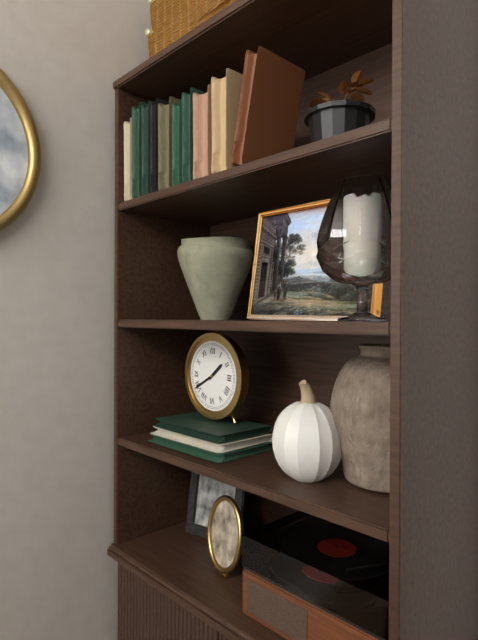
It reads 1h40
